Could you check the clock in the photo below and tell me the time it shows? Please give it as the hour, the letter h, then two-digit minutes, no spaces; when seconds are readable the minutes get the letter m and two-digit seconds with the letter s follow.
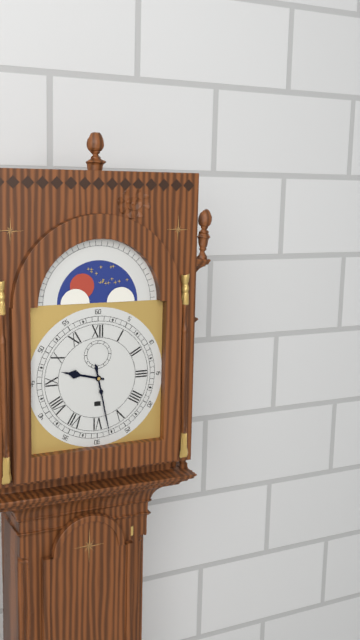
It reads 9h28
